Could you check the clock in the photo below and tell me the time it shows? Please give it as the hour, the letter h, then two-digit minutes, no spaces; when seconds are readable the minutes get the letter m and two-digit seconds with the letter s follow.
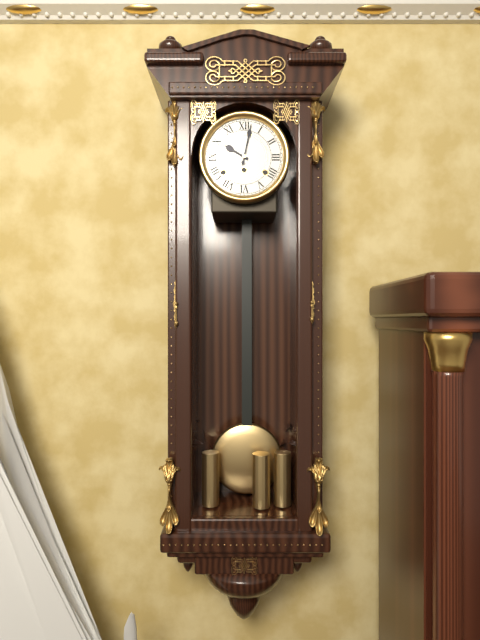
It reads 10h02
